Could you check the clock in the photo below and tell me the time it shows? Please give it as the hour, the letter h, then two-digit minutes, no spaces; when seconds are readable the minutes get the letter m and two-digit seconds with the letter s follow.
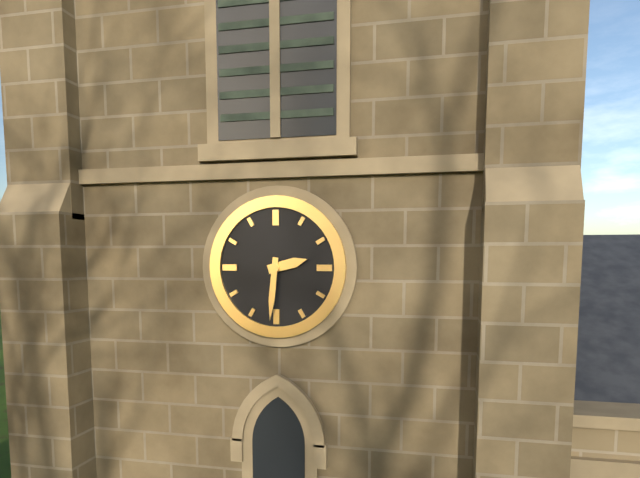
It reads 2h31
